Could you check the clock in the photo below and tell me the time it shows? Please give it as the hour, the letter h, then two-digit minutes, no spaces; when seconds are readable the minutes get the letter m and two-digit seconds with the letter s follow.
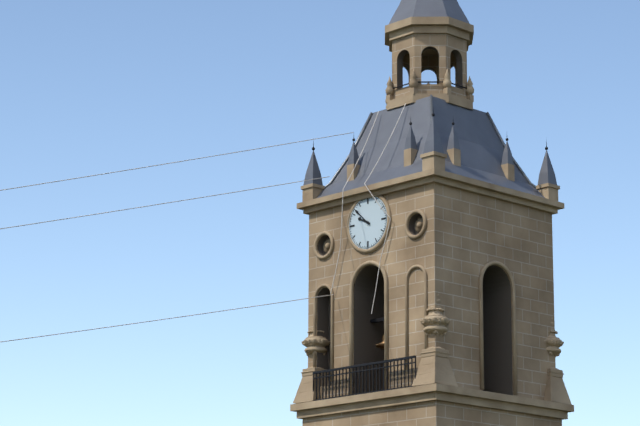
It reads 9h52
